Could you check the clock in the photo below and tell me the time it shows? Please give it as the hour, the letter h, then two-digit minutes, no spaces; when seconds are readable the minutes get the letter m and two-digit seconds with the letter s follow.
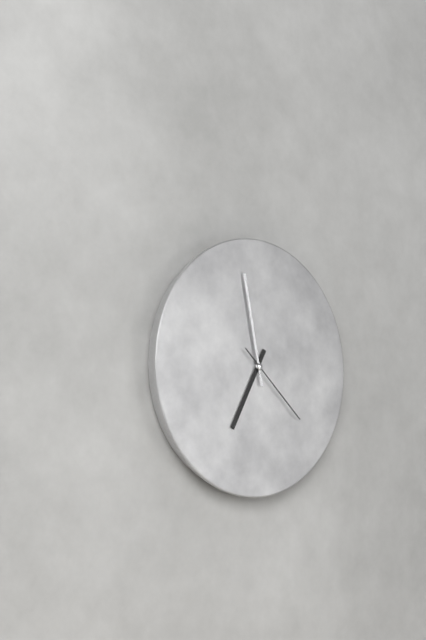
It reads 6h58m22s
